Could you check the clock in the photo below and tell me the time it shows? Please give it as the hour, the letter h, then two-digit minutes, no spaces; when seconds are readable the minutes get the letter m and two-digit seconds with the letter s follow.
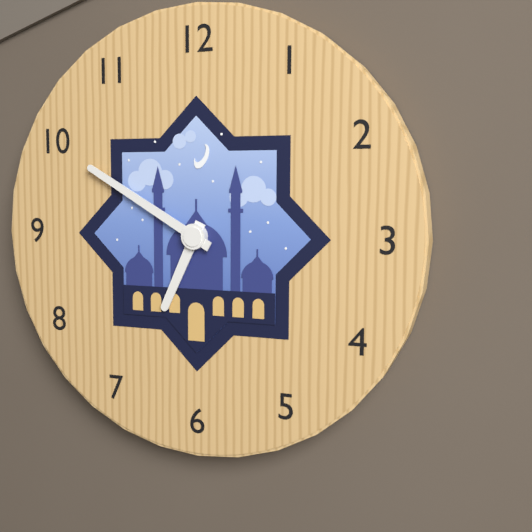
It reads 6h50
